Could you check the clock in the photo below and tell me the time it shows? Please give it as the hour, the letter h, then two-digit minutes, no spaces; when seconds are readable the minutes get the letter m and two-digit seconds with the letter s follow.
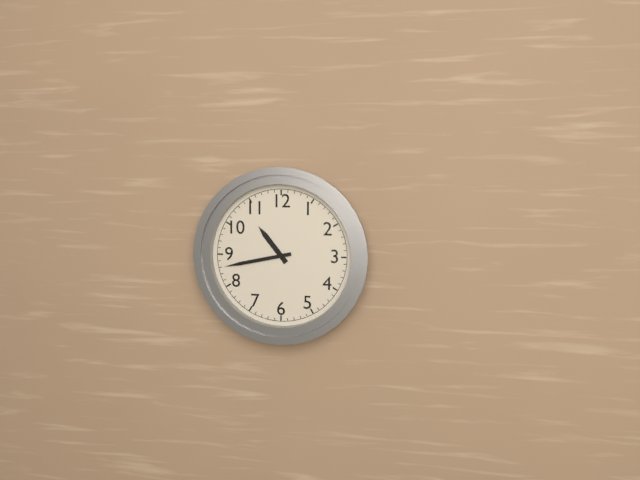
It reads 10h43
